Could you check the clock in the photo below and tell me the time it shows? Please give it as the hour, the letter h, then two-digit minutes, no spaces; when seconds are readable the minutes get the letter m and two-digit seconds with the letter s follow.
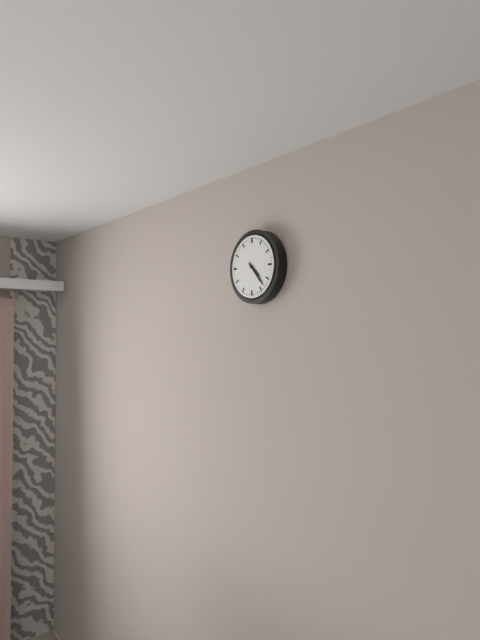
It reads 4h23
